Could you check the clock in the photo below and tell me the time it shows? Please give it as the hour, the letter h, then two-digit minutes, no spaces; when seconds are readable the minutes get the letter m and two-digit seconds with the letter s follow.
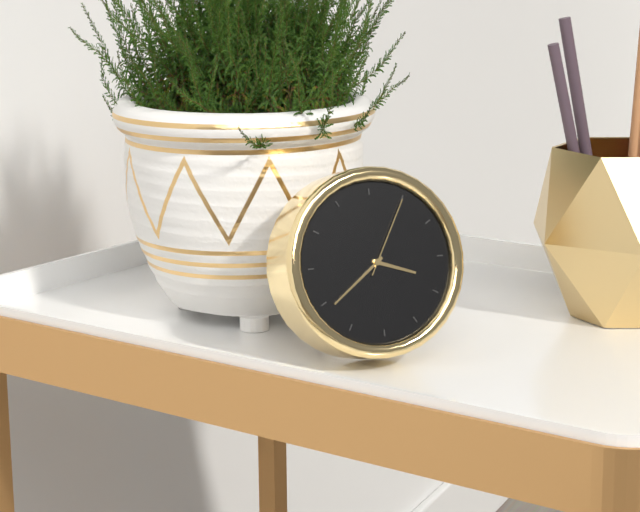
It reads 3h39m05s
